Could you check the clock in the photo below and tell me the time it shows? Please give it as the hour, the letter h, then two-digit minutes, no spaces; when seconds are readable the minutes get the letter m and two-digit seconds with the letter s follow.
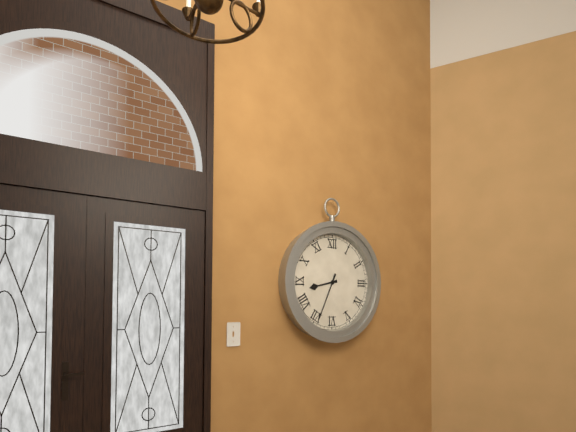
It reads 8h34
